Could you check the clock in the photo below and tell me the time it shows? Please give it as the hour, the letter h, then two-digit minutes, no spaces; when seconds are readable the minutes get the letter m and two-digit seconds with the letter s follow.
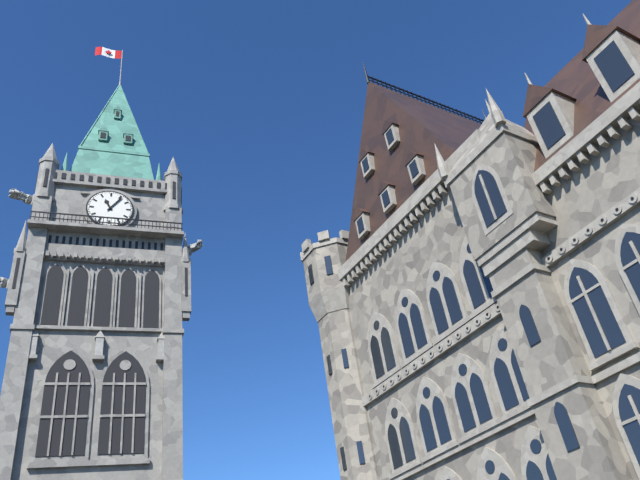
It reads 11h06
